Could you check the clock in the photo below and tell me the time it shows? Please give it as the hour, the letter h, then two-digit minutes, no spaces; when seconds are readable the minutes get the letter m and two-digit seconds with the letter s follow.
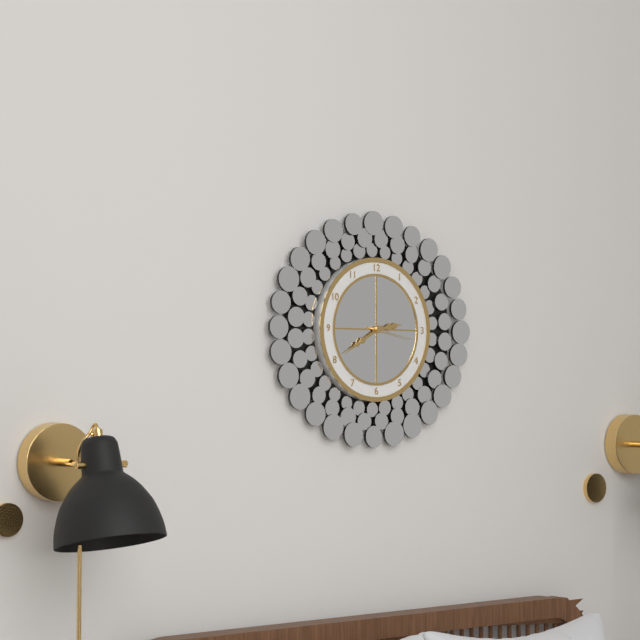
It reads 2h40
